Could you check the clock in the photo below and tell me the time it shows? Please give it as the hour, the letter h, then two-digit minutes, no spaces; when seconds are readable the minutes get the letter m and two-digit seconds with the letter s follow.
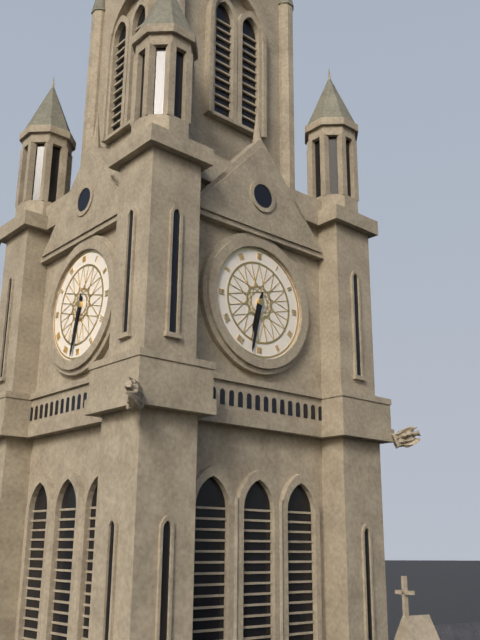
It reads 6h32
